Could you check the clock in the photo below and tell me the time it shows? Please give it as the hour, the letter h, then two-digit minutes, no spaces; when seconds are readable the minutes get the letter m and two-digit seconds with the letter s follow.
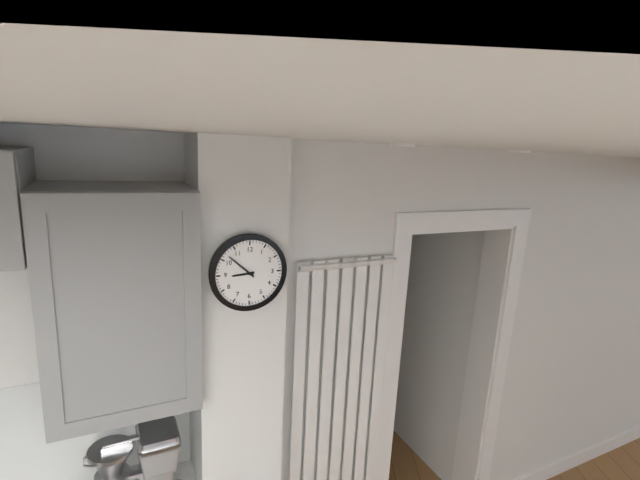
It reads 8h52
